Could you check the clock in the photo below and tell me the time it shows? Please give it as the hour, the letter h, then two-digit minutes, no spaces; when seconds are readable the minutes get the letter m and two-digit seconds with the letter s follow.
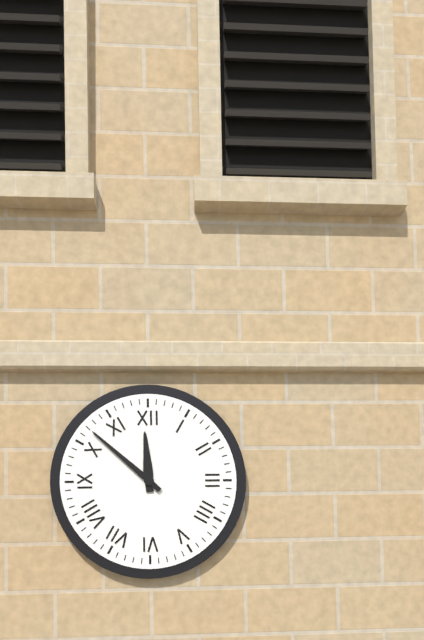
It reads 11h52
